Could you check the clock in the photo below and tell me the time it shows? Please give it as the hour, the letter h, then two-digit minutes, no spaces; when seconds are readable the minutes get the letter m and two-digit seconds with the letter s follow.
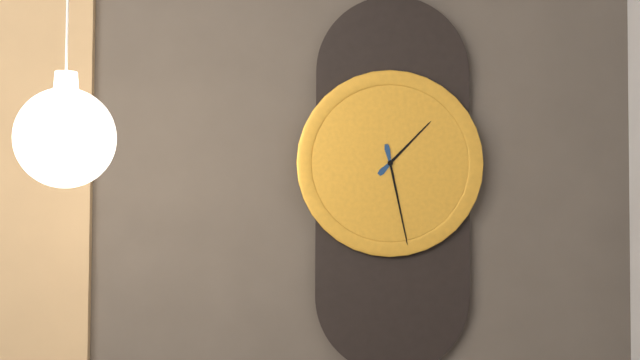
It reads 1h28
